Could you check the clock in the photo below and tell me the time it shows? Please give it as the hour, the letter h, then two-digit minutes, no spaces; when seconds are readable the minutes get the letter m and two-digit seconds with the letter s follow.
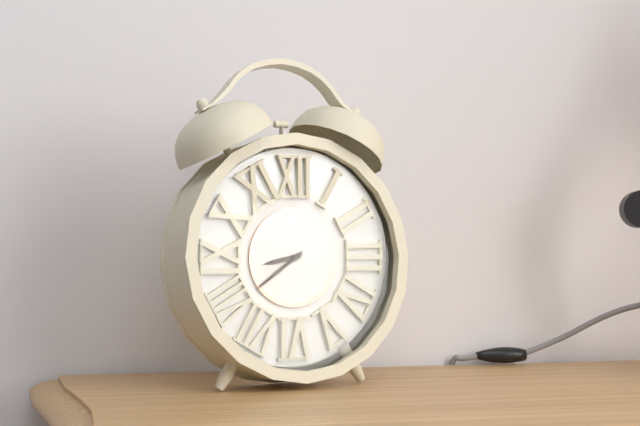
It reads 8h39
